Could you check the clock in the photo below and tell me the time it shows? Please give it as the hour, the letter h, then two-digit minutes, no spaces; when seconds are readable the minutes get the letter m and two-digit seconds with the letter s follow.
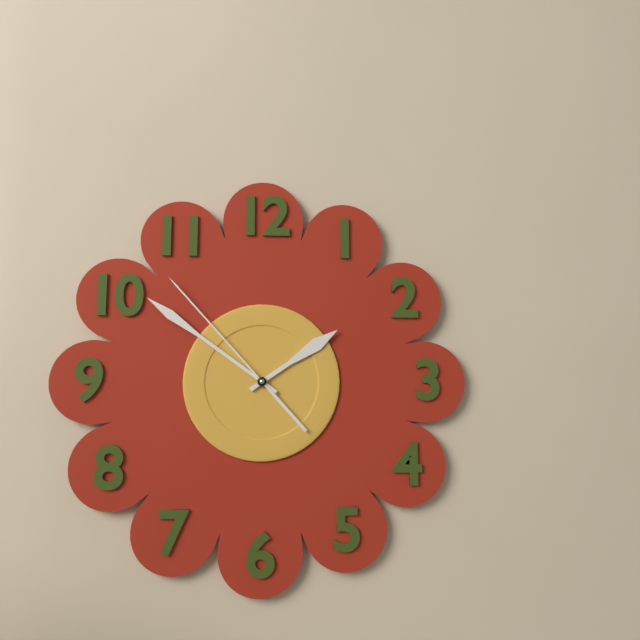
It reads 1h51m53s
